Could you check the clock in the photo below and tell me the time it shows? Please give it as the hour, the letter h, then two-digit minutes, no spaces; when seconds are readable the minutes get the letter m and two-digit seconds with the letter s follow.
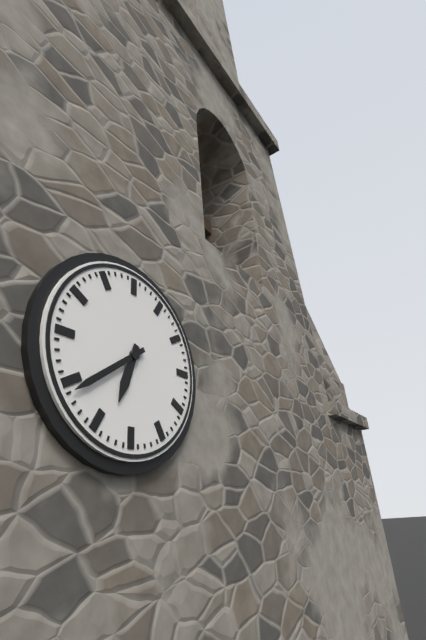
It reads 6h39
